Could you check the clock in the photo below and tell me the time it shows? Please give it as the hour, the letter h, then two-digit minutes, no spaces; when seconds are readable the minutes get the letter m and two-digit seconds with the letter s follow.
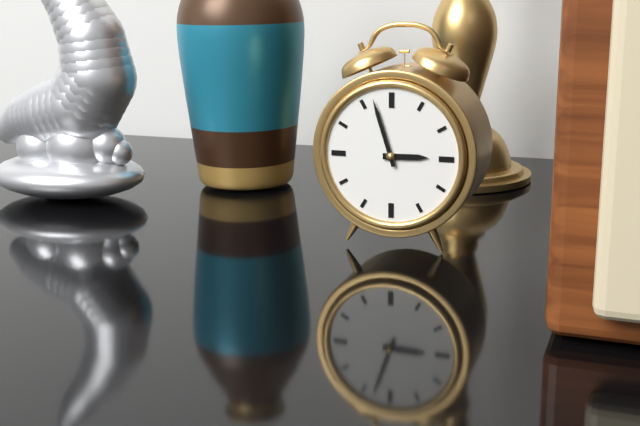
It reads 2h57
